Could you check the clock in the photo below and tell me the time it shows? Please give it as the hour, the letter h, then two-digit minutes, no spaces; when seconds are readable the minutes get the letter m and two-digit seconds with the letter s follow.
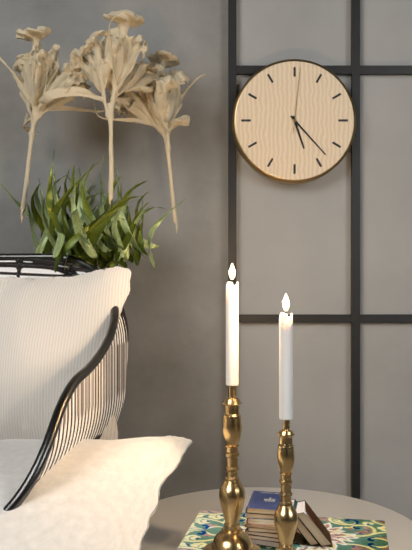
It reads 5h23m01s
